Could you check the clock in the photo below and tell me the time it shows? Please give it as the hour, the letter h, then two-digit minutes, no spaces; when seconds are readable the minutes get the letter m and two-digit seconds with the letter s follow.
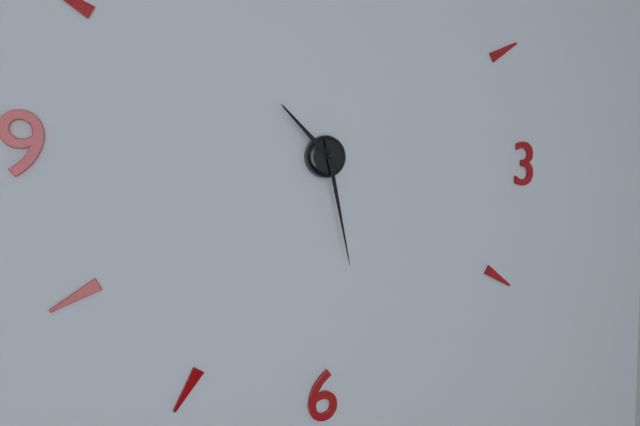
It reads 10h28
